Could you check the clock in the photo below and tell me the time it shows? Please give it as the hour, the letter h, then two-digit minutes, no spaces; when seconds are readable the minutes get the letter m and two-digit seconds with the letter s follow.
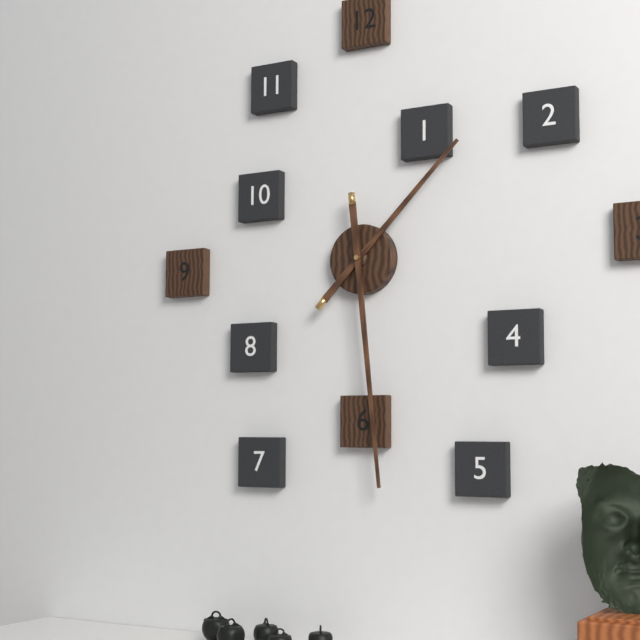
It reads 1h29
